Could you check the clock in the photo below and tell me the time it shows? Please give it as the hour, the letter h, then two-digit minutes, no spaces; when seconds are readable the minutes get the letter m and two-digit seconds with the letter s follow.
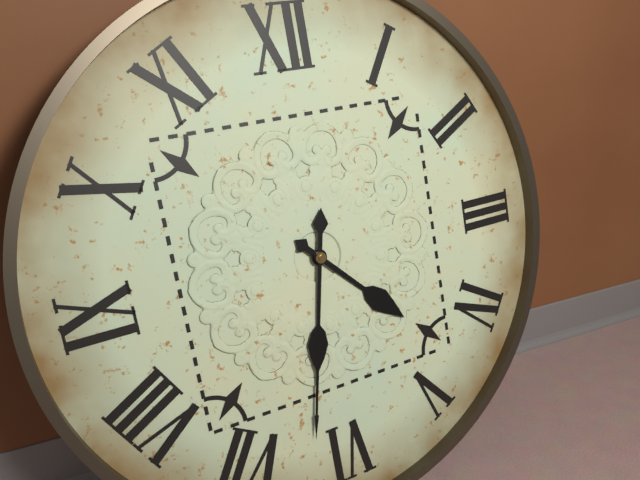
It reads 4h32
